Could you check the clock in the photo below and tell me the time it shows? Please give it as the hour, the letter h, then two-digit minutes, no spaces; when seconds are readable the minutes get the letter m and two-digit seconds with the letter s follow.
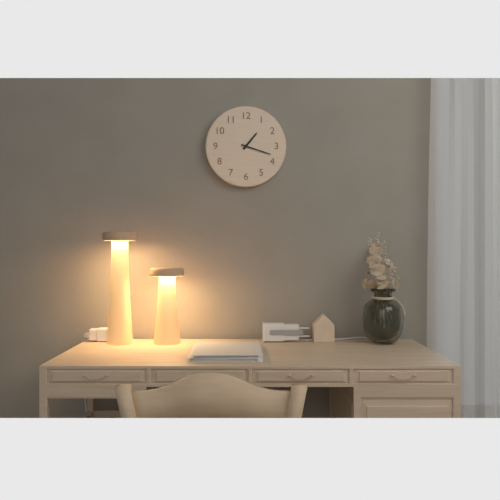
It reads 1h18
